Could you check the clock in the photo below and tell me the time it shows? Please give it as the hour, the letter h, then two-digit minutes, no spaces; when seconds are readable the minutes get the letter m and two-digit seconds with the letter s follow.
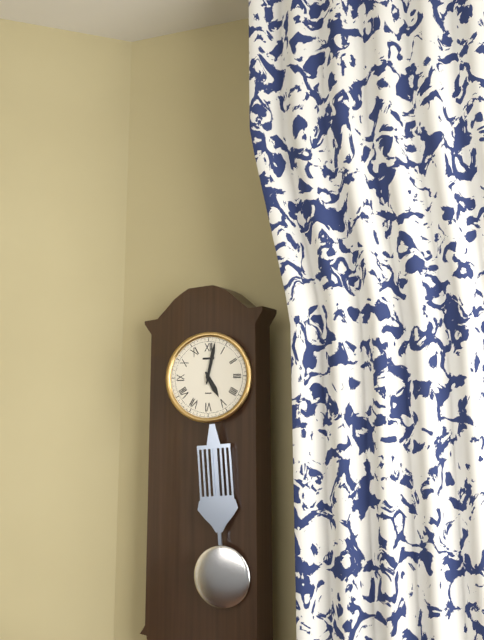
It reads 5h02
